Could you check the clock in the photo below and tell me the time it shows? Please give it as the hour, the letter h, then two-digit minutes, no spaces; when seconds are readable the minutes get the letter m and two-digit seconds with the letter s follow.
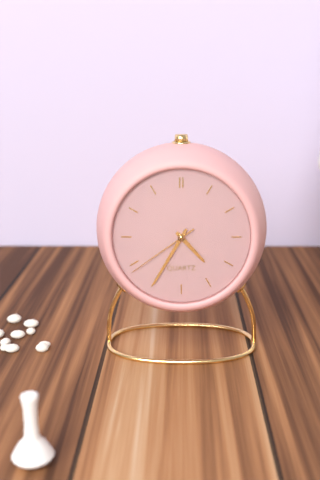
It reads 4h35m39s
